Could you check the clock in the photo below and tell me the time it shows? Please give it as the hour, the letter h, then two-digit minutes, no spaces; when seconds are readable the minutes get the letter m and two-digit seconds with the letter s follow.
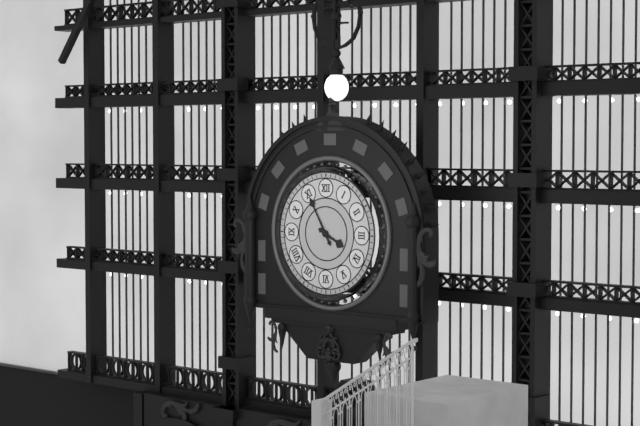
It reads 3h55
